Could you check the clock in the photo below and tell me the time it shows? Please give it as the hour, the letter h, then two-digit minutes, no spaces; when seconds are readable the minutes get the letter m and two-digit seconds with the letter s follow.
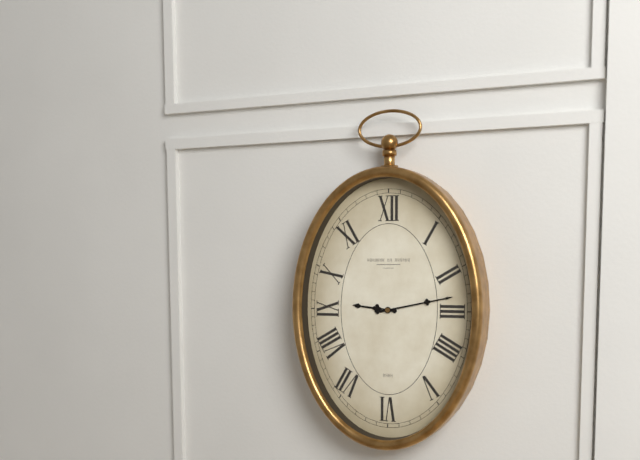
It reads 9h13
